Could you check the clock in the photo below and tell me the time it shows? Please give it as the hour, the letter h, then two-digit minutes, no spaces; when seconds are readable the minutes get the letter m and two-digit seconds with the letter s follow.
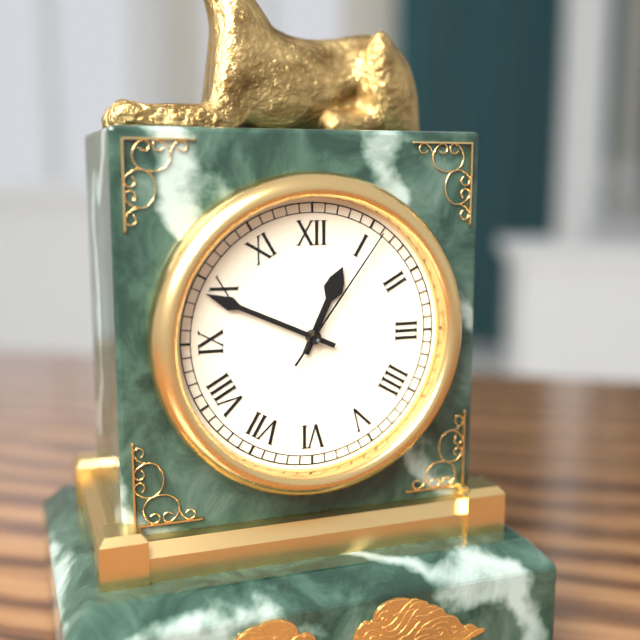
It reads 12h49m06s
